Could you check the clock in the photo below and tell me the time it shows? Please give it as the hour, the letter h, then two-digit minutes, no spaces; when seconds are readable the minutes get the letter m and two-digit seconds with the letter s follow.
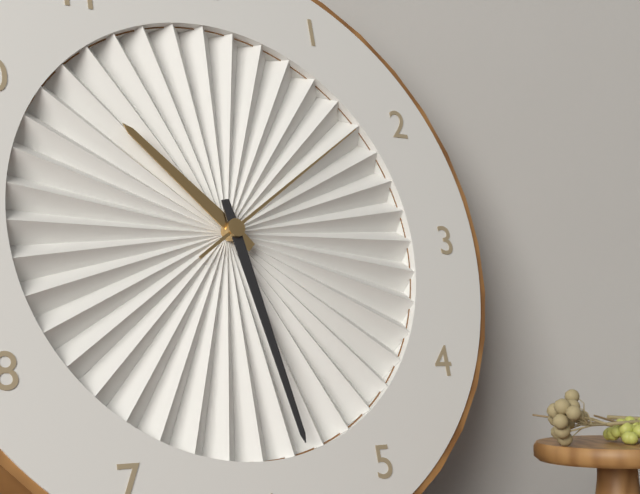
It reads 10h28m09s
